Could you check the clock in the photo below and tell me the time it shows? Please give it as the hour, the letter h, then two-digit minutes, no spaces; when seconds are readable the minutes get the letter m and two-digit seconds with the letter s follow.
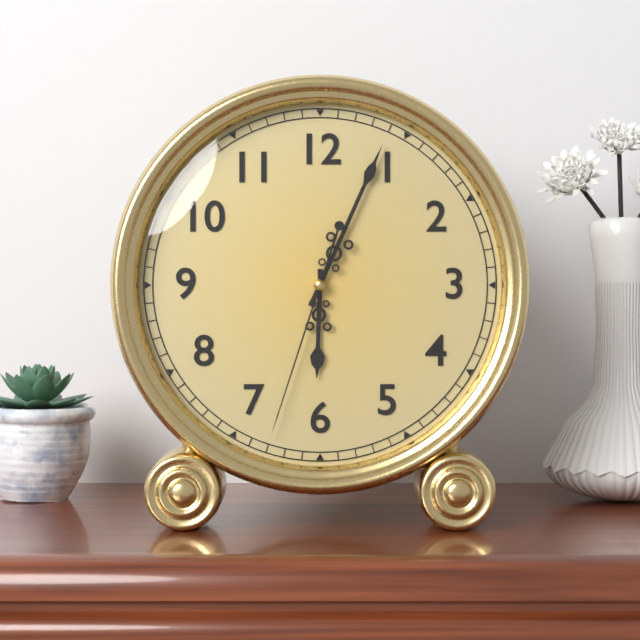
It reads 6h04m33s
